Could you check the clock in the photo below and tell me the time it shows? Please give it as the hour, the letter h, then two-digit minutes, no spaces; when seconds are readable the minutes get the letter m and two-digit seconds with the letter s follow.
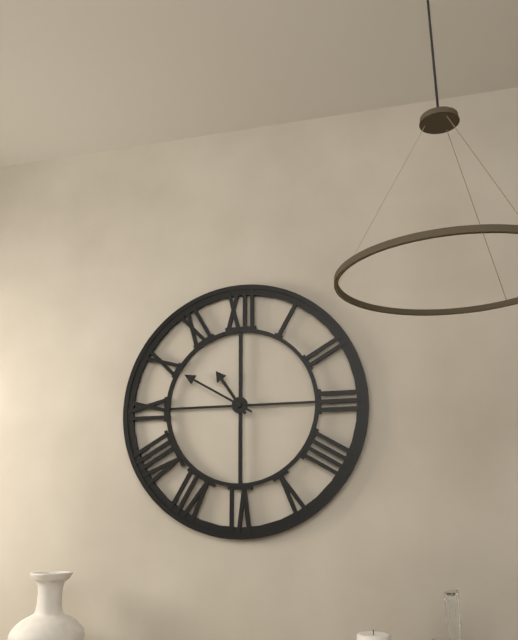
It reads 10h50
